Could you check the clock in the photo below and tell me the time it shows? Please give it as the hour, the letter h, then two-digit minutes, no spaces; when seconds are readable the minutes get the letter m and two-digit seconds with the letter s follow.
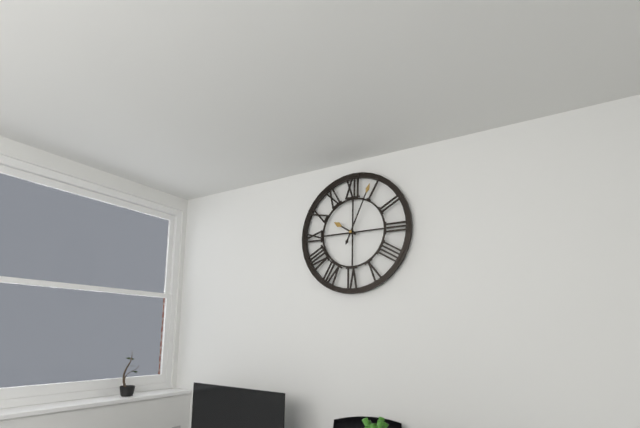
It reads 10h04
